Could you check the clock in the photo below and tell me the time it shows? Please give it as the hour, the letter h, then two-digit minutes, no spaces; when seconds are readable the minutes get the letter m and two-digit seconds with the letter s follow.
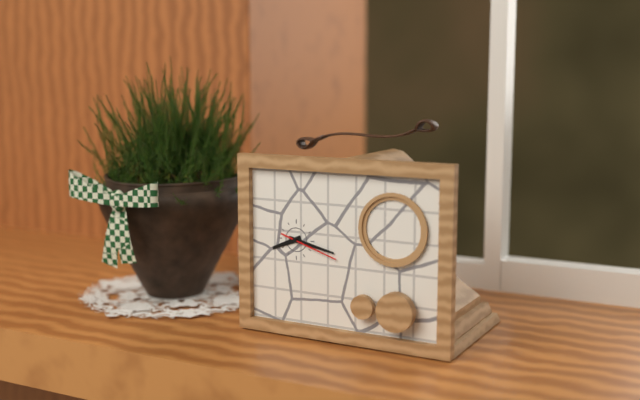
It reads 8h17m18s
